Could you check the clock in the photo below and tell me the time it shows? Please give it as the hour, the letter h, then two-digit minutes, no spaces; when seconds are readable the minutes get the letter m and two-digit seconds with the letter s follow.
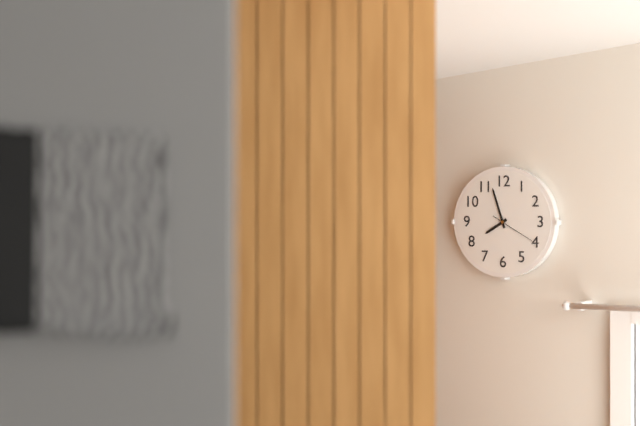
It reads 7h57
